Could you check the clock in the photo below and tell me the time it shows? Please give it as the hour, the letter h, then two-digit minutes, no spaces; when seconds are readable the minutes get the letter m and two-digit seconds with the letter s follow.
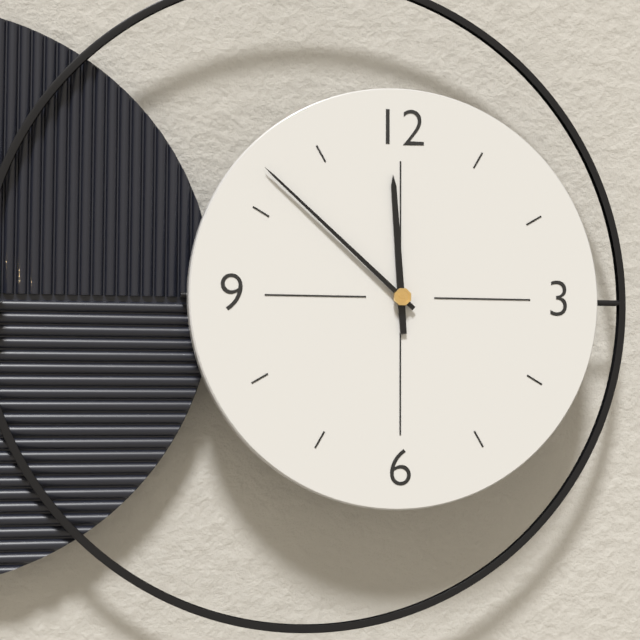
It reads 11h52
